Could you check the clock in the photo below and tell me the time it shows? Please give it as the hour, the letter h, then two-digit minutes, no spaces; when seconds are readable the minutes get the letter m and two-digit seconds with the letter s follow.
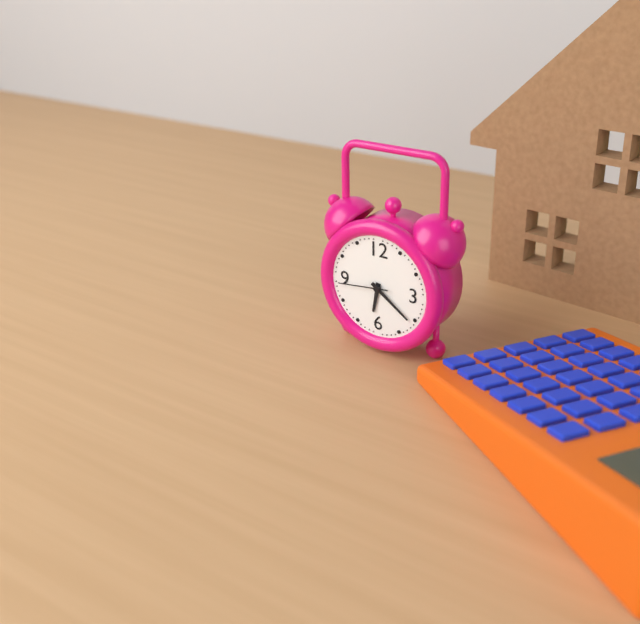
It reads 6h21
